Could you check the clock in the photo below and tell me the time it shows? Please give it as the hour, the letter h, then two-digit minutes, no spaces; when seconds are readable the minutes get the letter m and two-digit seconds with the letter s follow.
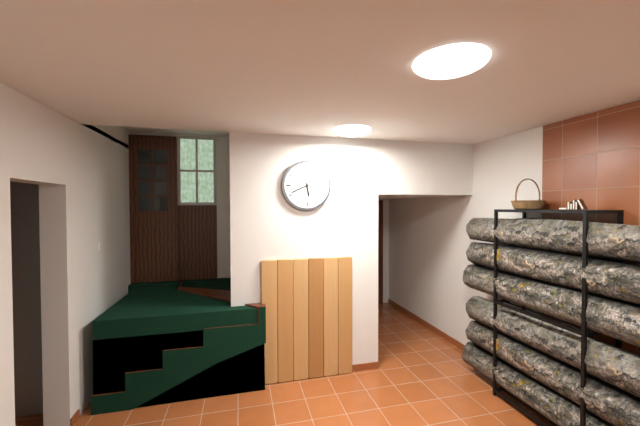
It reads 5h41
